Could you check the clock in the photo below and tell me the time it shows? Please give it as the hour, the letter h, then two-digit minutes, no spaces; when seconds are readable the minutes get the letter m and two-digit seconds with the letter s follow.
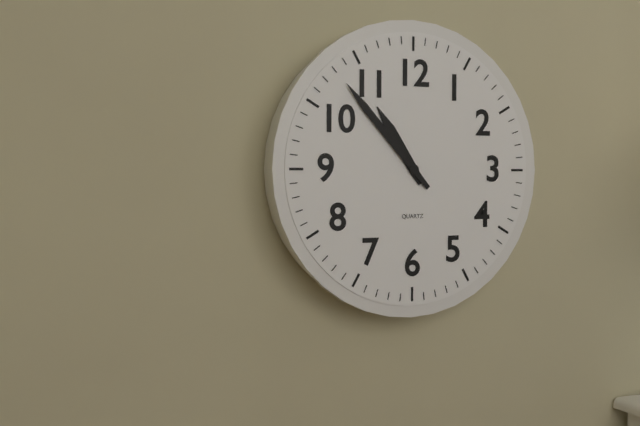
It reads 10h53
